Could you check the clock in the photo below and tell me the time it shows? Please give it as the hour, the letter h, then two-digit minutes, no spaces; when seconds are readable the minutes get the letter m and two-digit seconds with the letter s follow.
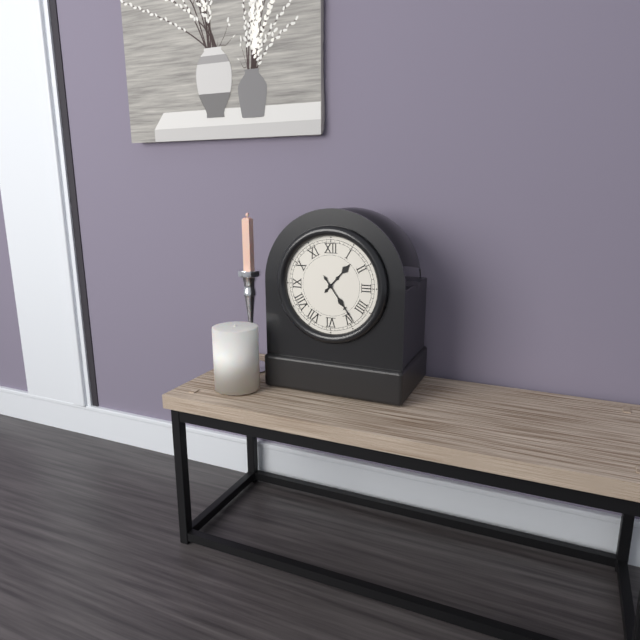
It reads 1h24
